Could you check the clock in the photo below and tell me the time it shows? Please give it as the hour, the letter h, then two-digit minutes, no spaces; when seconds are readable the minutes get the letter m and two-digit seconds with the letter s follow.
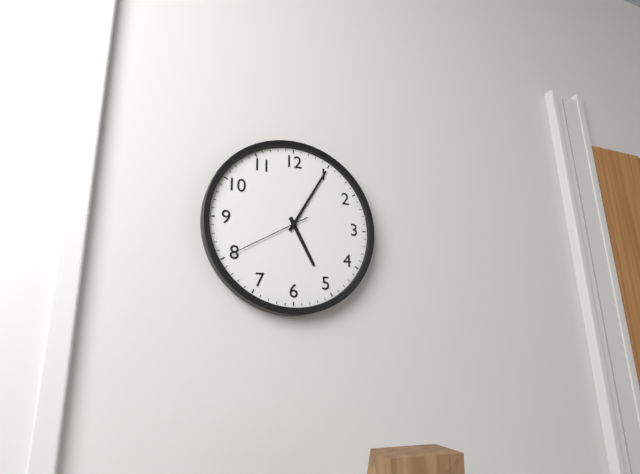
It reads 5h05m40s
